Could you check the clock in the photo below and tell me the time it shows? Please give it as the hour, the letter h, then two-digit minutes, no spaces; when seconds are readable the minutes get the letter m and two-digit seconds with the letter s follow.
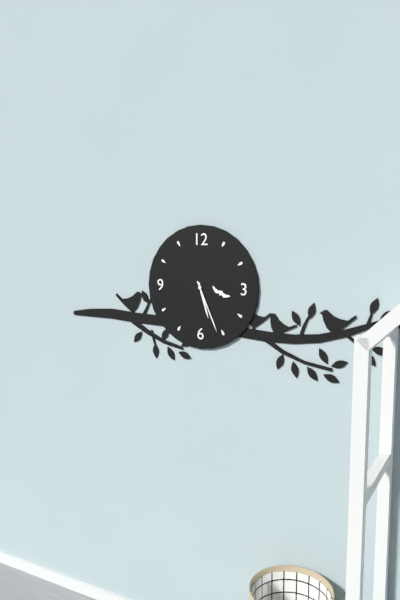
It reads 5h26
